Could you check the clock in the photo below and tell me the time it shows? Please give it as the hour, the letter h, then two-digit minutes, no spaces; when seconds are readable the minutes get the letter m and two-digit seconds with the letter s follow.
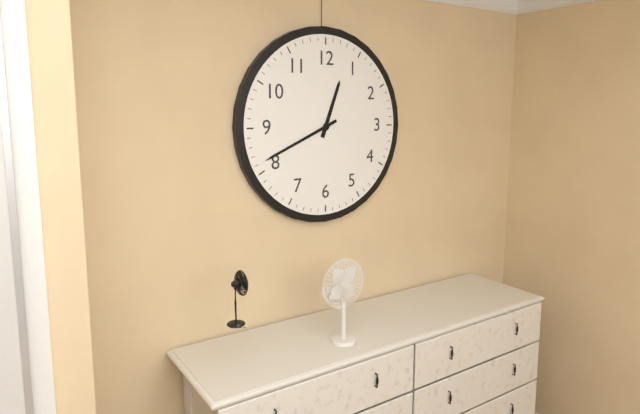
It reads 12h41
